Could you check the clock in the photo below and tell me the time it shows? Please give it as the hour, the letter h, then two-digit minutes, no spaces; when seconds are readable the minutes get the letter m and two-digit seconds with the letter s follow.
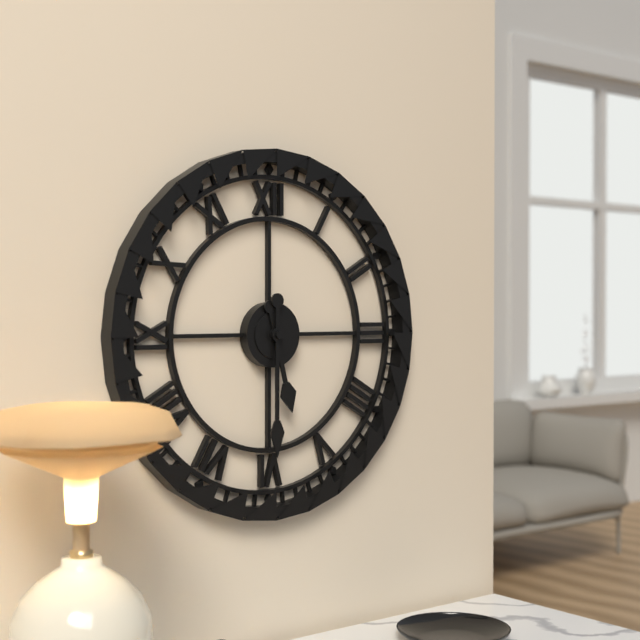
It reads 5h30
